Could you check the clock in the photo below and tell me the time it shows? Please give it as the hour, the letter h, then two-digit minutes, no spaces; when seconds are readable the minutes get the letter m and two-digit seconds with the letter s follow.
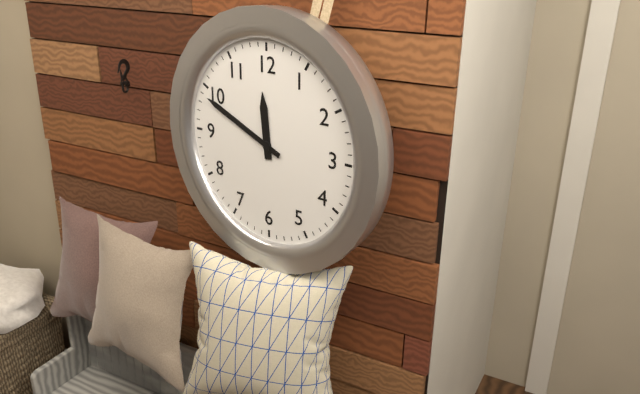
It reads 11h49
